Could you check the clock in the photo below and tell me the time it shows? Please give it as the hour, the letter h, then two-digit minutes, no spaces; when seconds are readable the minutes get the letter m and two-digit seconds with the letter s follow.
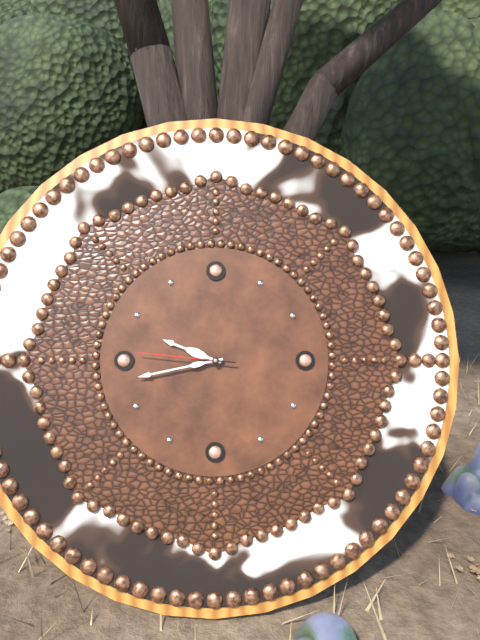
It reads 9h43m46s
